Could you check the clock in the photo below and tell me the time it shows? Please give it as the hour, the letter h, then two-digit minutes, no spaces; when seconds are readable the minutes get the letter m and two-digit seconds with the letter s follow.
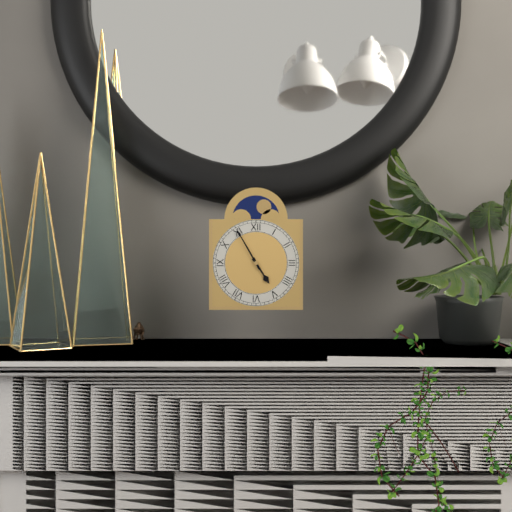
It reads 4h55
